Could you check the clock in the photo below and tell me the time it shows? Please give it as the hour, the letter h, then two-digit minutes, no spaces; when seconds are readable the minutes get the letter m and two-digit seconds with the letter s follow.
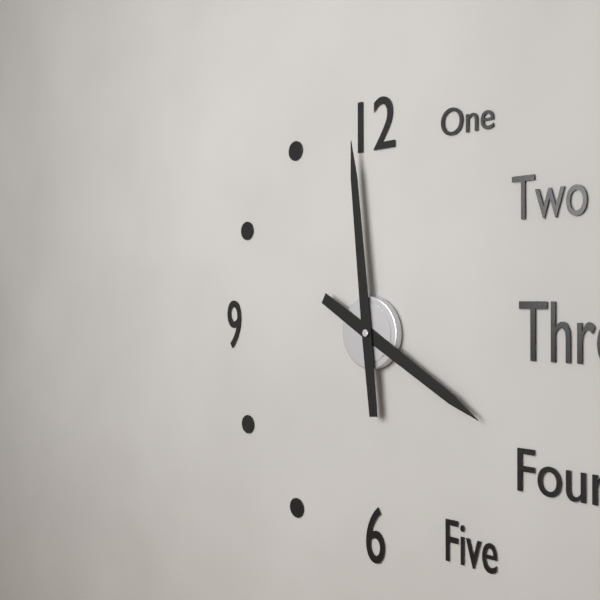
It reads 3h59
